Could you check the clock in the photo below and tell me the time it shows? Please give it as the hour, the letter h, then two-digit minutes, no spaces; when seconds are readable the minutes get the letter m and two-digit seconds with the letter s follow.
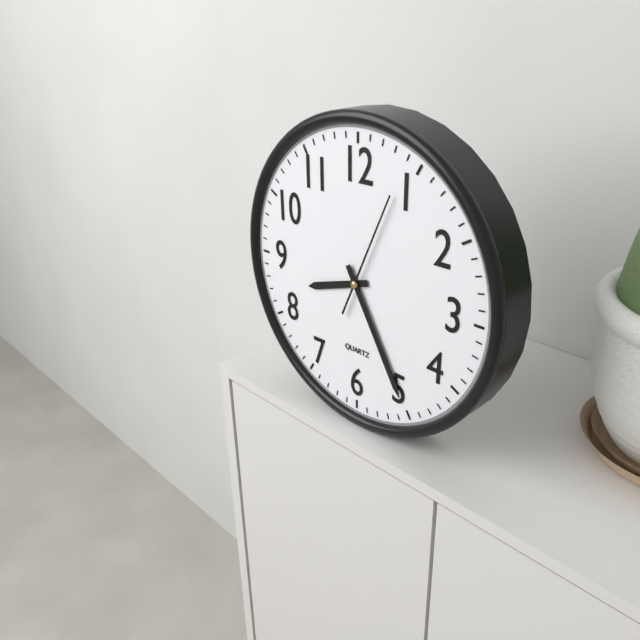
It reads 8h25m04s
